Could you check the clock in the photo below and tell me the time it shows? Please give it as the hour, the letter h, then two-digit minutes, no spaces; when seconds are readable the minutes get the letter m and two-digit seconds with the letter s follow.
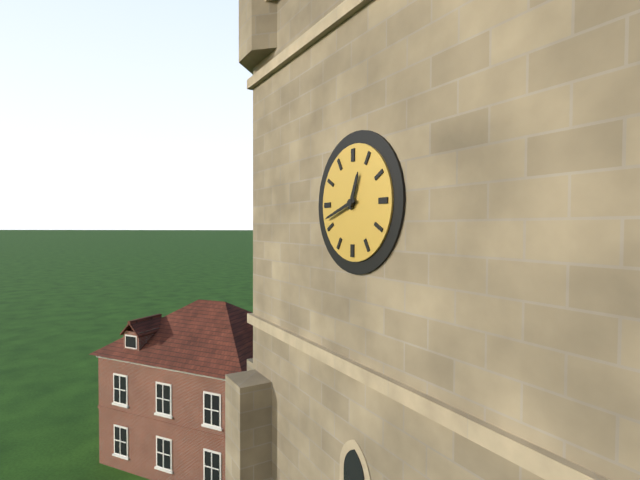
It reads 12h42
